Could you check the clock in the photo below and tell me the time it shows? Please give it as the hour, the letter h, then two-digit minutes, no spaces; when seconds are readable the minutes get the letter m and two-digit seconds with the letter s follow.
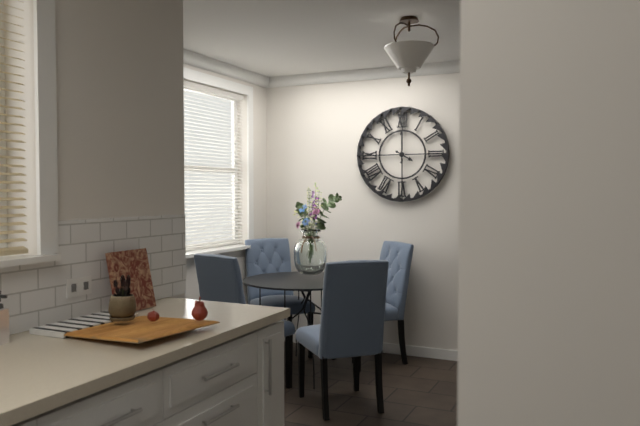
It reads 4h00
